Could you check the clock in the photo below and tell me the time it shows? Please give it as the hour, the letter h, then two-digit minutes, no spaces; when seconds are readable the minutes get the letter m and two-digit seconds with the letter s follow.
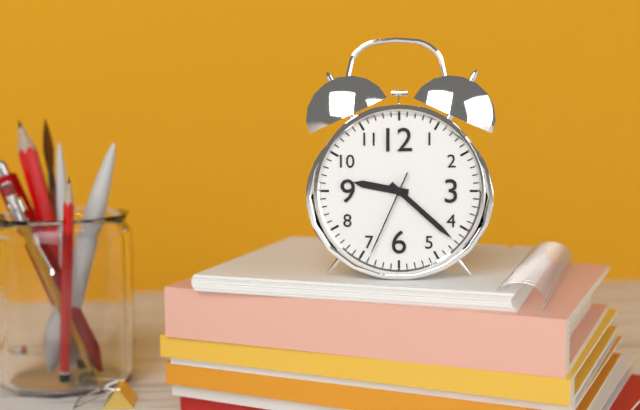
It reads 9h22m34s
